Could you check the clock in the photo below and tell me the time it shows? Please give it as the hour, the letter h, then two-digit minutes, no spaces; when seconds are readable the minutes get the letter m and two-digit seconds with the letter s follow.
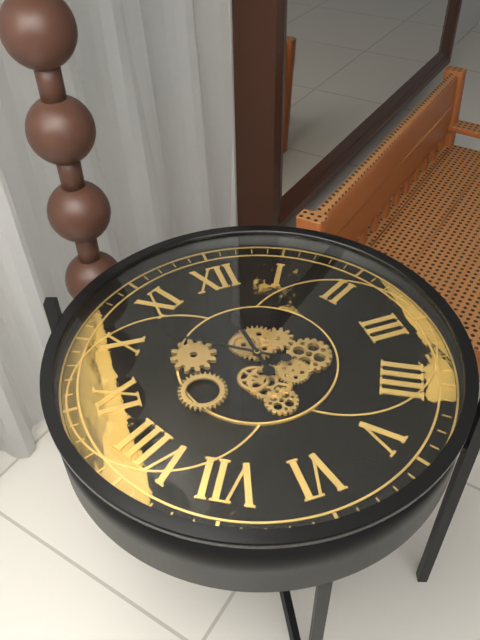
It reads 11h51
